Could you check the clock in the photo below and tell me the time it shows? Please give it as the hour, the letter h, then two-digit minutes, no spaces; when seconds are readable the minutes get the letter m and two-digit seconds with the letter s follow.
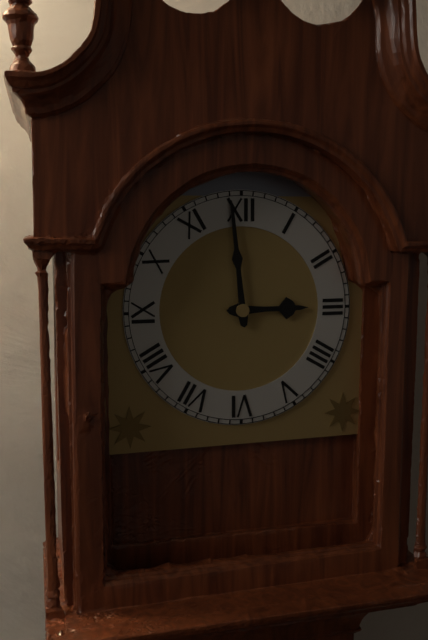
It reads 2h59
